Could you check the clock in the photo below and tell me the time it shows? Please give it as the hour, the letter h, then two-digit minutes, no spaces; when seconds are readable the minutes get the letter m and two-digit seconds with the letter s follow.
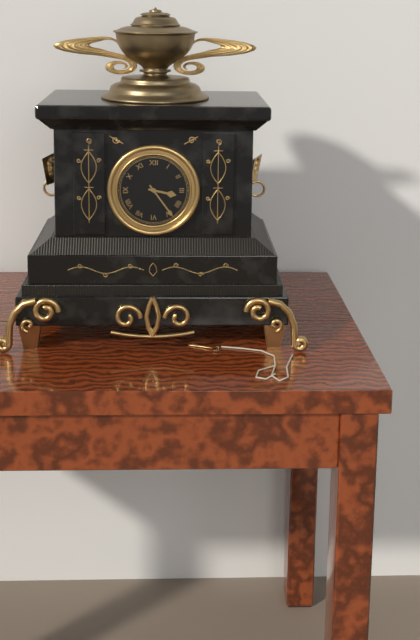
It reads 3h24
